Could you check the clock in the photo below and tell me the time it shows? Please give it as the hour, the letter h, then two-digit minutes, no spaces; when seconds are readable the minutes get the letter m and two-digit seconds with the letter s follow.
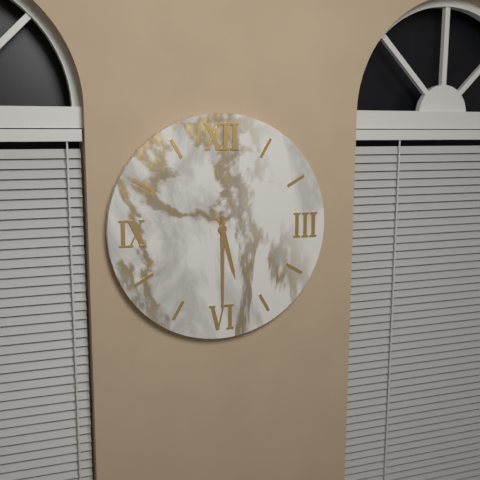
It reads 5h30
